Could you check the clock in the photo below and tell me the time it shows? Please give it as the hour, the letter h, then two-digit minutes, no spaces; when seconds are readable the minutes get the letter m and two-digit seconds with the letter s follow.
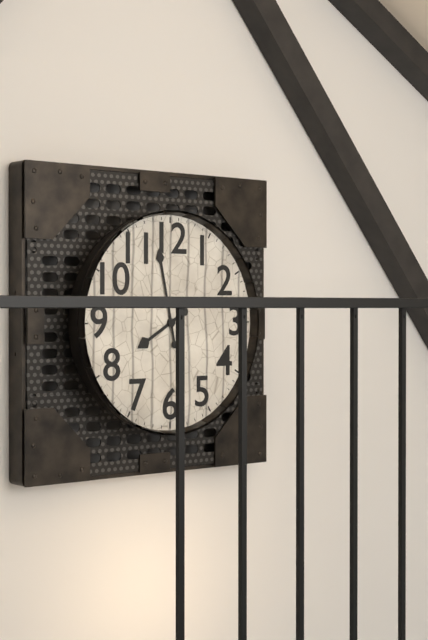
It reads 7h58
